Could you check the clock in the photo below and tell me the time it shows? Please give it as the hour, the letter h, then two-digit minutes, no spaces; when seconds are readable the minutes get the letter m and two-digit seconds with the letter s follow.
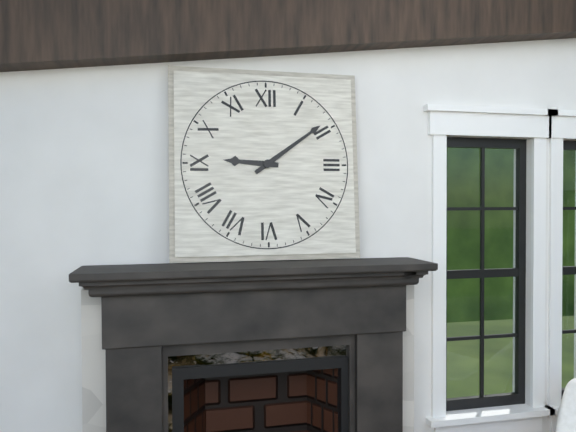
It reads 9h09
